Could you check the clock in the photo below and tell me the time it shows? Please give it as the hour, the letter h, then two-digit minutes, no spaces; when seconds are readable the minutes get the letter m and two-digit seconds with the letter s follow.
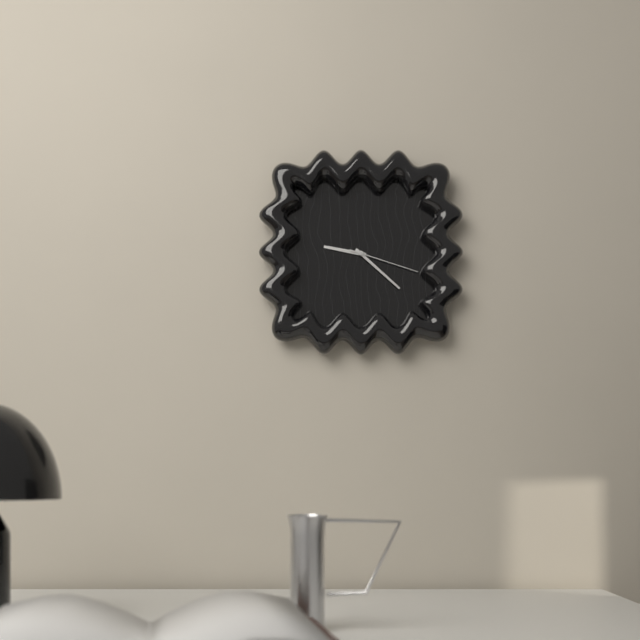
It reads 9h22m18s
